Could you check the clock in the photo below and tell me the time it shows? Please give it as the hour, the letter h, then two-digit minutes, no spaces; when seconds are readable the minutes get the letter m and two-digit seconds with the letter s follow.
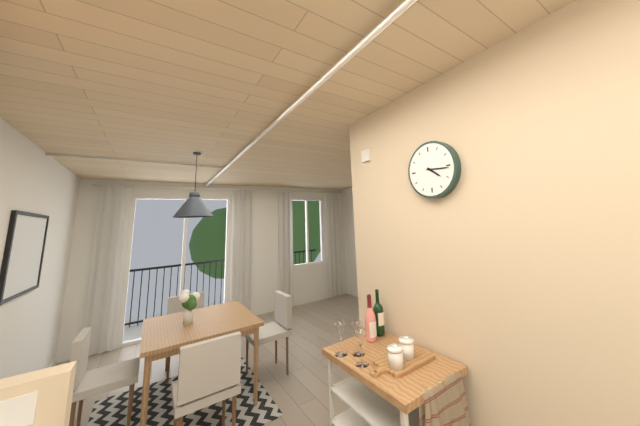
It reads 4h16
